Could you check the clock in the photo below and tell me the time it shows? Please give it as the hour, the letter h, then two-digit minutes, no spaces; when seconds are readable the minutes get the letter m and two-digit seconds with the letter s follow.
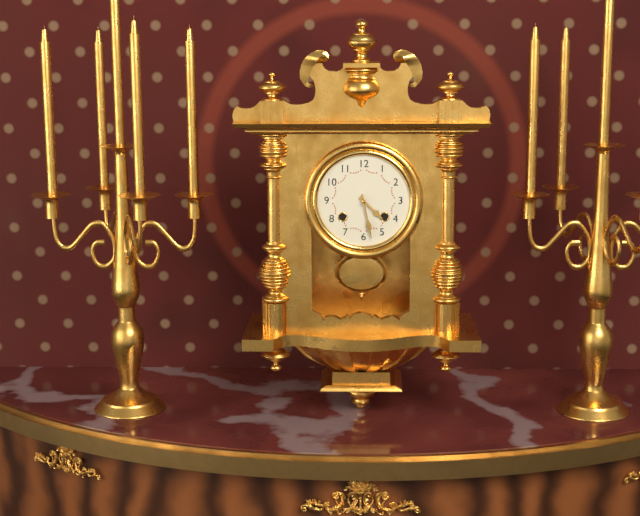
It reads 4h28
